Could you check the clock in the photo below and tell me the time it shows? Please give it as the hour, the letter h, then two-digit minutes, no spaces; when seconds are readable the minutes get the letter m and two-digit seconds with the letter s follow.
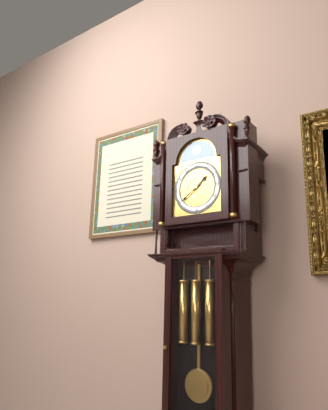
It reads 1h39
